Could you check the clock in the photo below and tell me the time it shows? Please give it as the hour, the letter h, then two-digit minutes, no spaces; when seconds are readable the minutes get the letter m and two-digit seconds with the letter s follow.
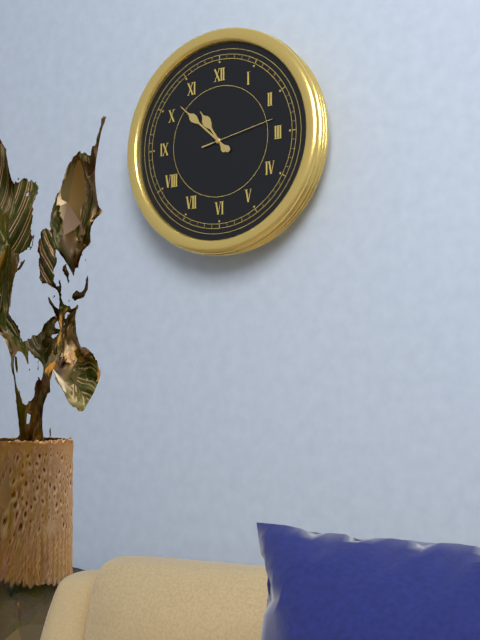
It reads 10h52m13s
